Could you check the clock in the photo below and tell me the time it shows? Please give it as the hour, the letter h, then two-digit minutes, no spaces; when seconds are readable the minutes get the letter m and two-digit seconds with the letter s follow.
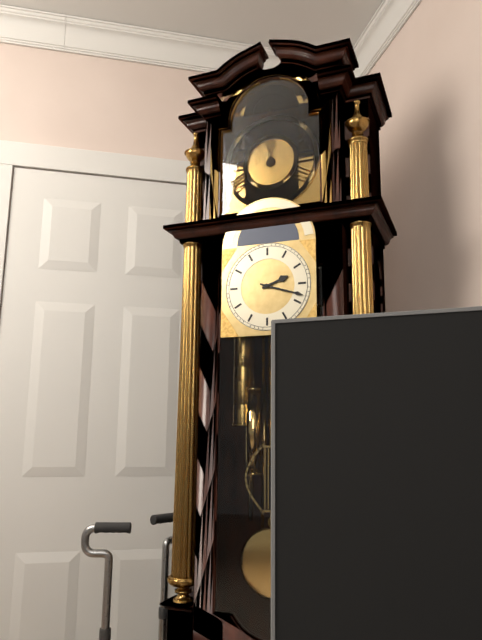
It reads 2h18
